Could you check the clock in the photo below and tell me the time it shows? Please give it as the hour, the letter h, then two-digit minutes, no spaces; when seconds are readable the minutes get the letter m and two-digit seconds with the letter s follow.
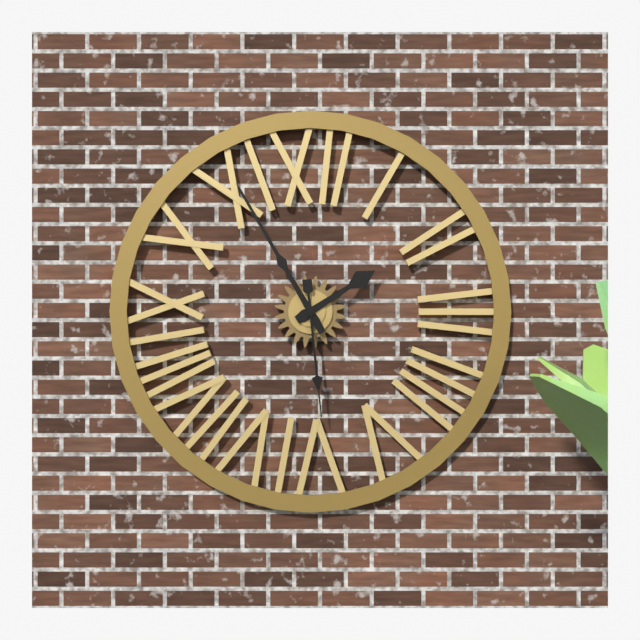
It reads 1h55m29s
